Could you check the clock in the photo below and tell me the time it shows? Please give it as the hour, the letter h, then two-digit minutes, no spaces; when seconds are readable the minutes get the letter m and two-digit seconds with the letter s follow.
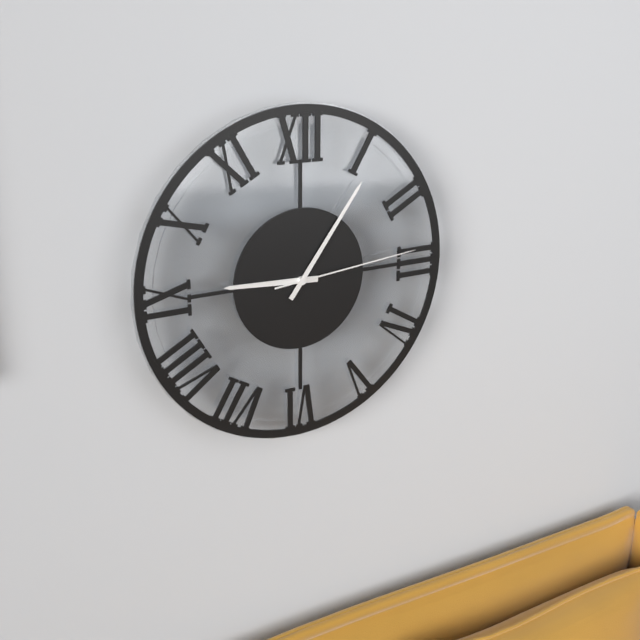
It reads 9h06m14s
